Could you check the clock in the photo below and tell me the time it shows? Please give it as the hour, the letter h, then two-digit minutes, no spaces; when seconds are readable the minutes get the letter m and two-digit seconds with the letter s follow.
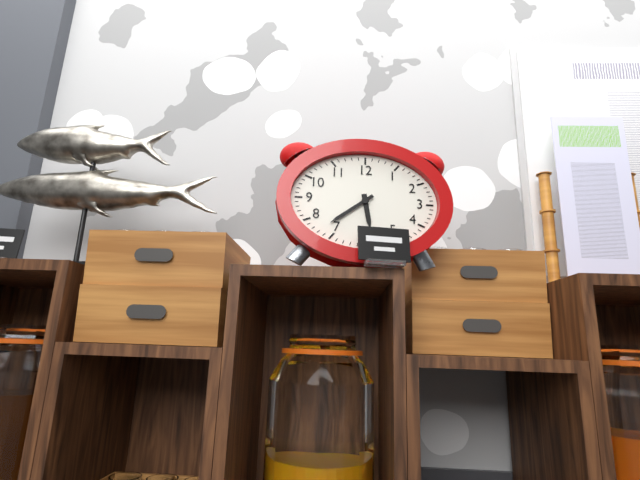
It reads 5h39
